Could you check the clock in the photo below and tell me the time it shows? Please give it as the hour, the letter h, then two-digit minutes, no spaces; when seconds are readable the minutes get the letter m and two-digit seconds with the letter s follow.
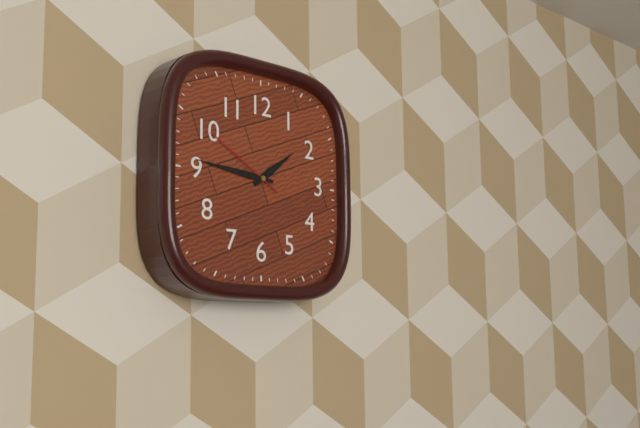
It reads 1h46m50s
